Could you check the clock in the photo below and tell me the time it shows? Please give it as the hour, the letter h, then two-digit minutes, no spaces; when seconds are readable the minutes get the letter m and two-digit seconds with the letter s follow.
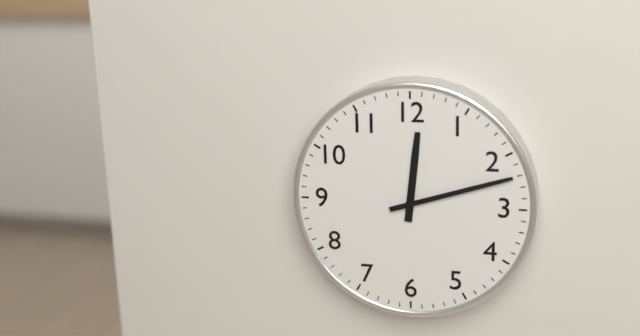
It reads 12h12
